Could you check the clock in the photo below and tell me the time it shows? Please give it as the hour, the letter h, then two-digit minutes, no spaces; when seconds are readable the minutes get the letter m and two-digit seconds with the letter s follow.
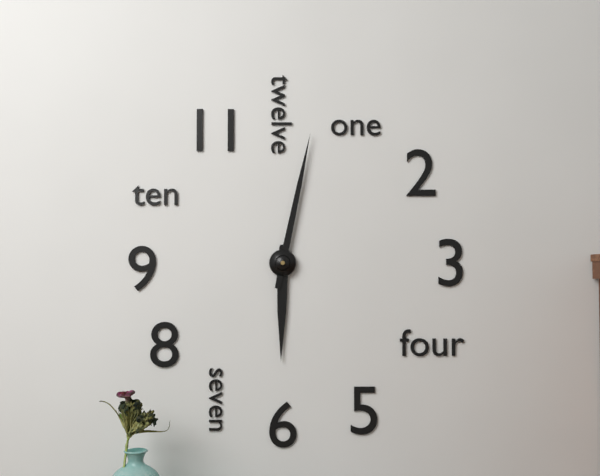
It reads 6h02
